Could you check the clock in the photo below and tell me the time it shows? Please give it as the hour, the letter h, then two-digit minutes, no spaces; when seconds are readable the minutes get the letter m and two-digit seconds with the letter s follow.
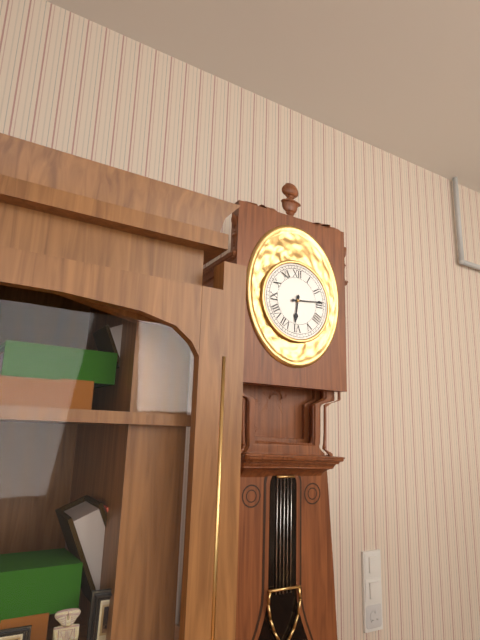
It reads 6h14
